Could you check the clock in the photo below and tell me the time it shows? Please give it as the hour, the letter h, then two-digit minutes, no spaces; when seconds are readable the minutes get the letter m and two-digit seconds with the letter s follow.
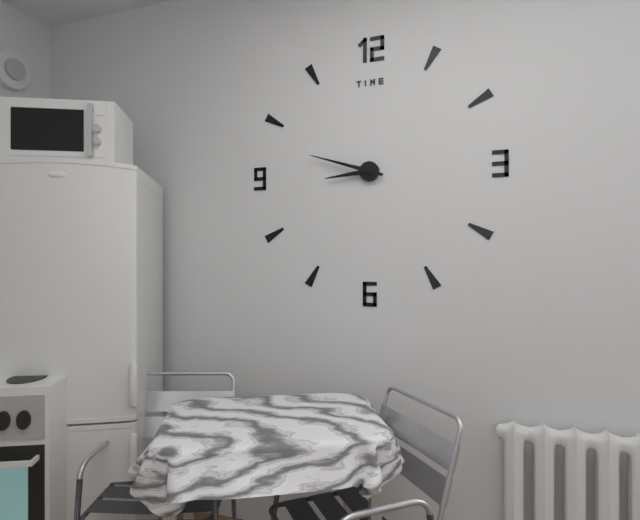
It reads 8h48
